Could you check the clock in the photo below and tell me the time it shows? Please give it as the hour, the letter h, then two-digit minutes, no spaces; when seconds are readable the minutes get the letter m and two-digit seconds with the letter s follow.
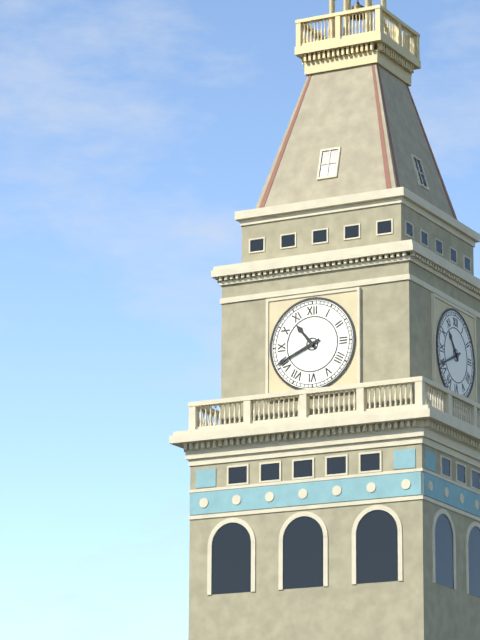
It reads 10h41
